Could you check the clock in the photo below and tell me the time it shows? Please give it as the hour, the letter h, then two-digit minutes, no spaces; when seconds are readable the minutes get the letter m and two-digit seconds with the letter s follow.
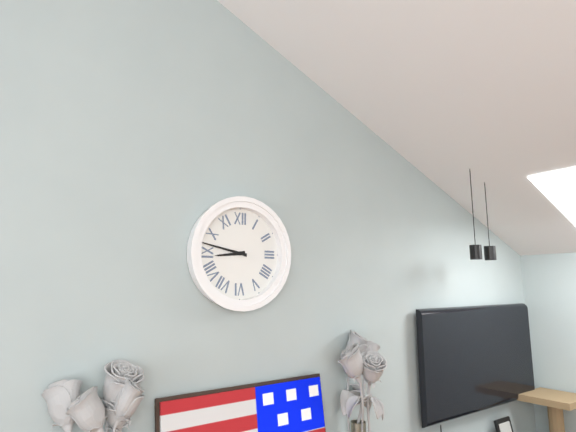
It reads 8h47
